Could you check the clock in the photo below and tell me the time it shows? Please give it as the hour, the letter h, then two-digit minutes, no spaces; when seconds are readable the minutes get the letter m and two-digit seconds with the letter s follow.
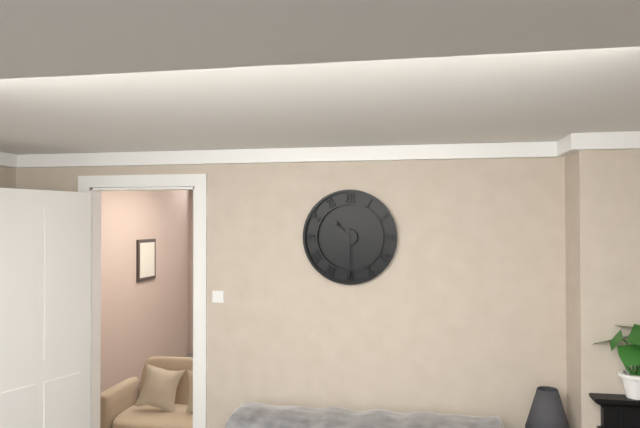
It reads 10h30
